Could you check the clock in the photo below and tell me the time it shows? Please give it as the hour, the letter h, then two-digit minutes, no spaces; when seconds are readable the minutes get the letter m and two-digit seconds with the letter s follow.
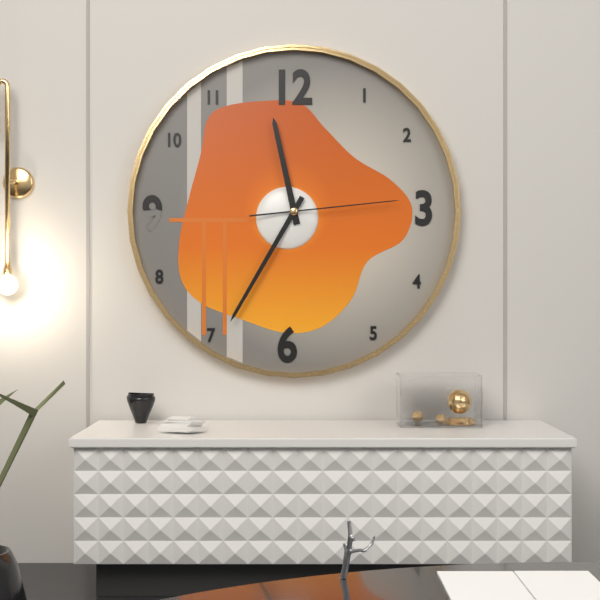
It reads 11h35m14s
